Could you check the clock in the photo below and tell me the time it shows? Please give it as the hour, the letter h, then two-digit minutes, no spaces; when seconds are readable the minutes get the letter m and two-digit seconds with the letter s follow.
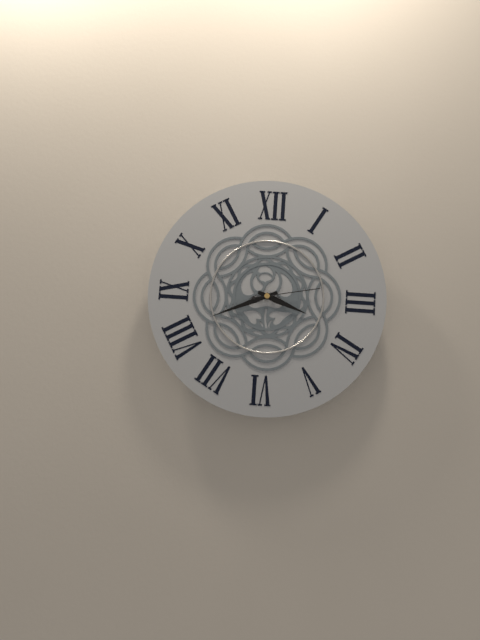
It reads 3h41m13s
